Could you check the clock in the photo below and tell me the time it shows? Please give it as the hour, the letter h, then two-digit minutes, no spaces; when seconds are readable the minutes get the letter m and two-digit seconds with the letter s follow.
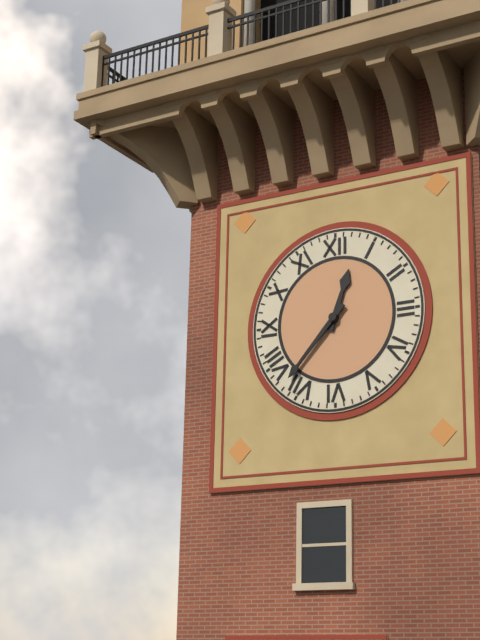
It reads 12h37
